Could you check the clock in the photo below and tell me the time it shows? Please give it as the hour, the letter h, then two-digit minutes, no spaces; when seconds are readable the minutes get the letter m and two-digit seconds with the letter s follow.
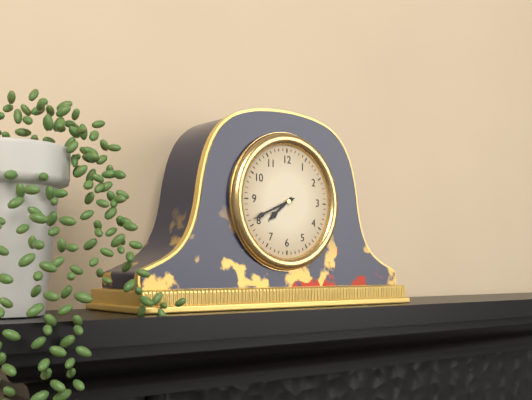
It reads 7h41
